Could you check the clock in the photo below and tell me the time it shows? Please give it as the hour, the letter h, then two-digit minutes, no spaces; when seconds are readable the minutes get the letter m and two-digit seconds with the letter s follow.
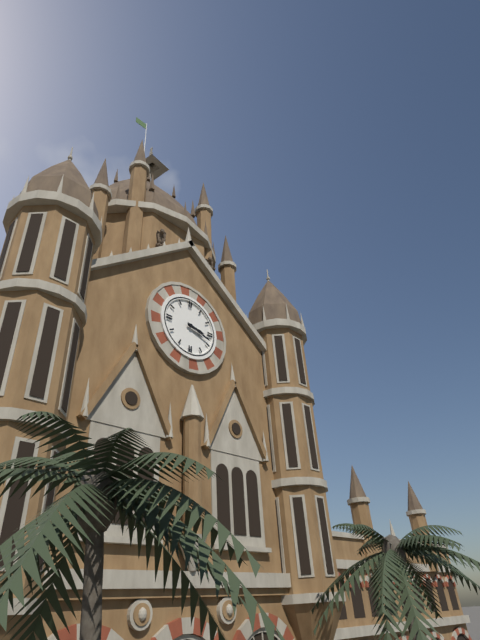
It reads 3h18
